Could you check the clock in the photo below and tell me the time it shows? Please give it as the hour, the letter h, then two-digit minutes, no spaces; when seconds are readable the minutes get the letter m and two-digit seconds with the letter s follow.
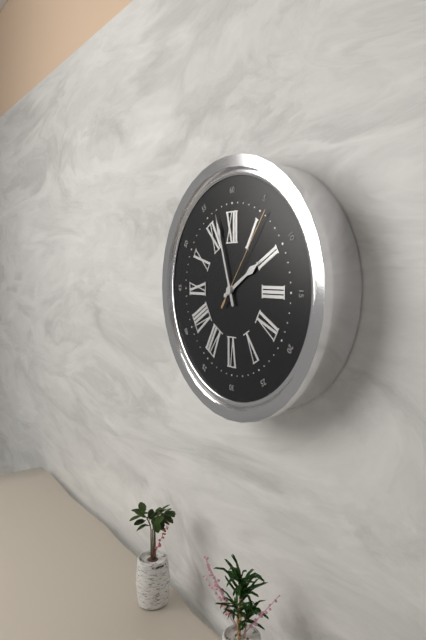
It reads 1h57m06s
